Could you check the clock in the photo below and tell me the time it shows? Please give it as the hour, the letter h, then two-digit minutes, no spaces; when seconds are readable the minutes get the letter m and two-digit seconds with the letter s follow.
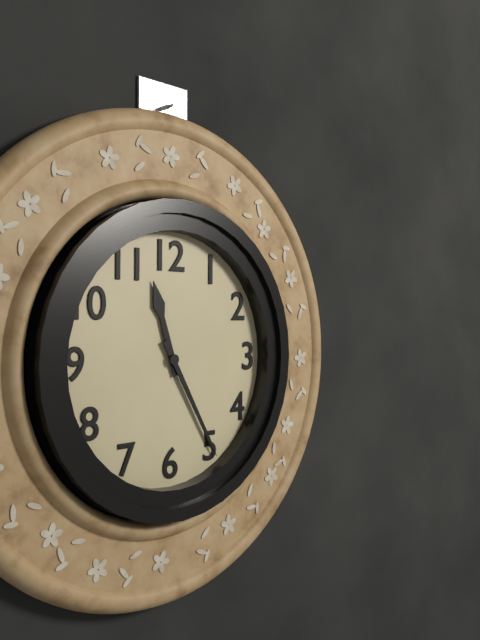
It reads 11h25
